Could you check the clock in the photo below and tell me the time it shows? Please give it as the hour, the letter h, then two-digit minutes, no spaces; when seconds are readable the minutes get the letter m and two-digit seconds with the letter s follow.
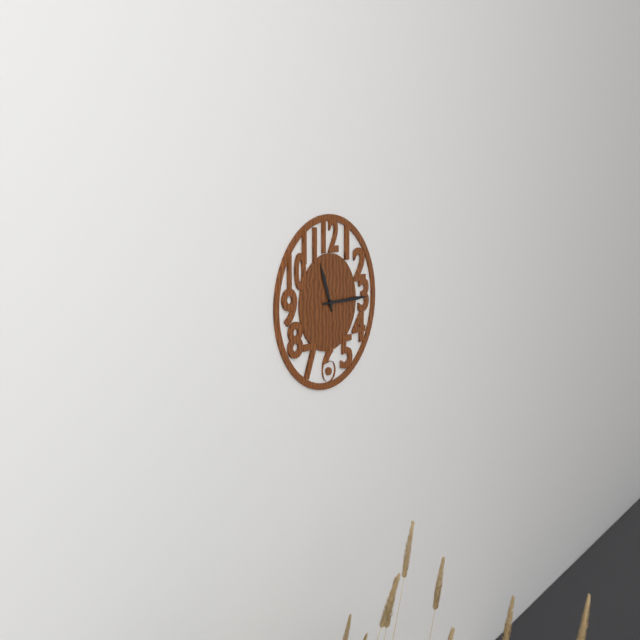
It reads 11h15
